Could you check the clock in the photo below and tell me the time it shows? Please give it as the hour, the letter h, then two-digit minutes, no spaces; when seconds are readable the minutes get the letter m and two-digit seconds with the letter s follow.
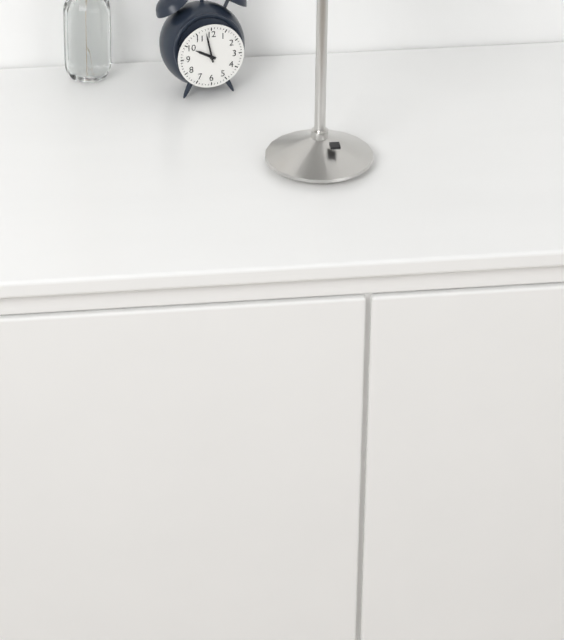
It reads 9h58
